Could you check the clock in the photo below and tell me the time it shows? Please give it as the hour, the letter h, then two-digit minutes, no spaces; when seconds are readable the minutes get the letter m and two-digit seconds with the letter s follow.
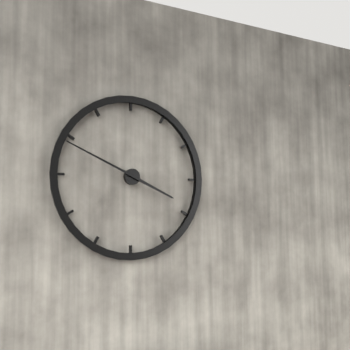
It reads 3h49
